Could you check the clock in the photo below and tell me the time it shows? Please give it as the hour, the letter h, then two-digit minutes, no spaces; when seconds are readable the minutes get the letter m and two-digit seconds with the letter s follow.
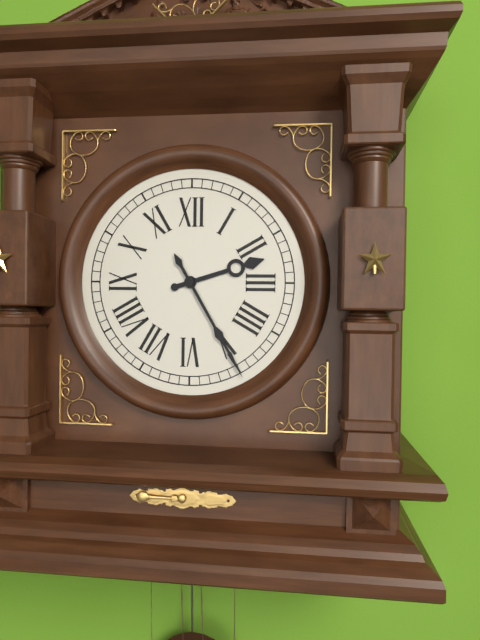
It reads 2h25
